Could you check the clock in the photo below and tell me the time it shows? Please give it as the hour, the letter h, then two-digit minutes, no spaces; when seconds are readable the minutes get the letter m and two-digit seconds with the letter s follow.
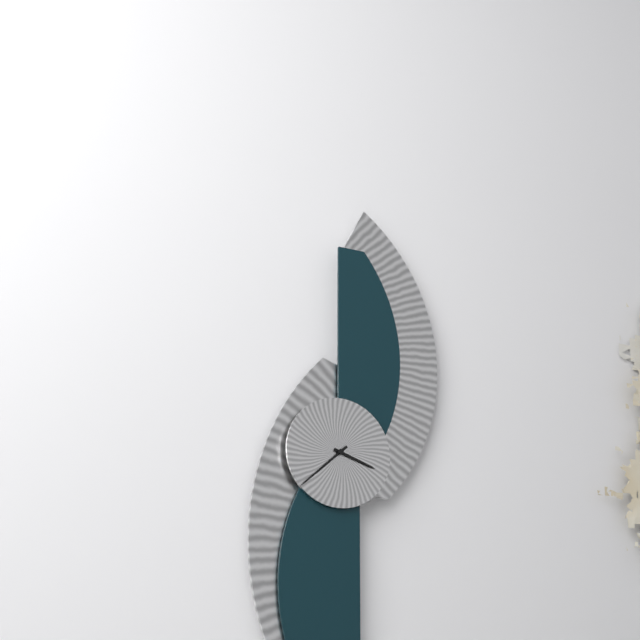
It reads 3h38
